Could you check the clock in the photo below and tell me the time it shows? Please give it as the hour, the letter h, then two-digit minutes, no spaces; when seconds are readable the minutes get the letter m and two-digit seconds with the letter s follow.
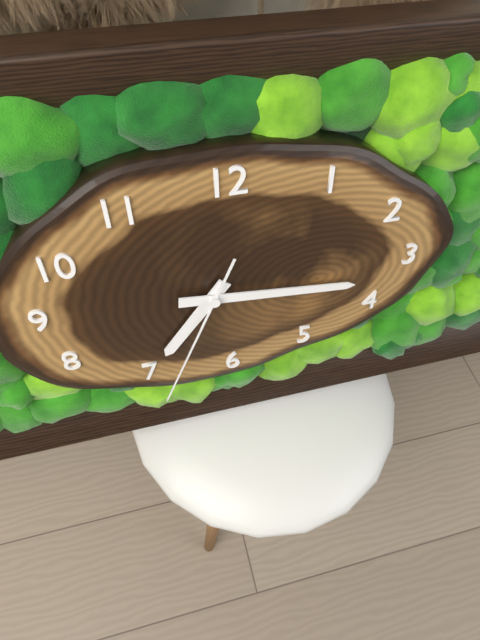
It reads 7h16m34s
